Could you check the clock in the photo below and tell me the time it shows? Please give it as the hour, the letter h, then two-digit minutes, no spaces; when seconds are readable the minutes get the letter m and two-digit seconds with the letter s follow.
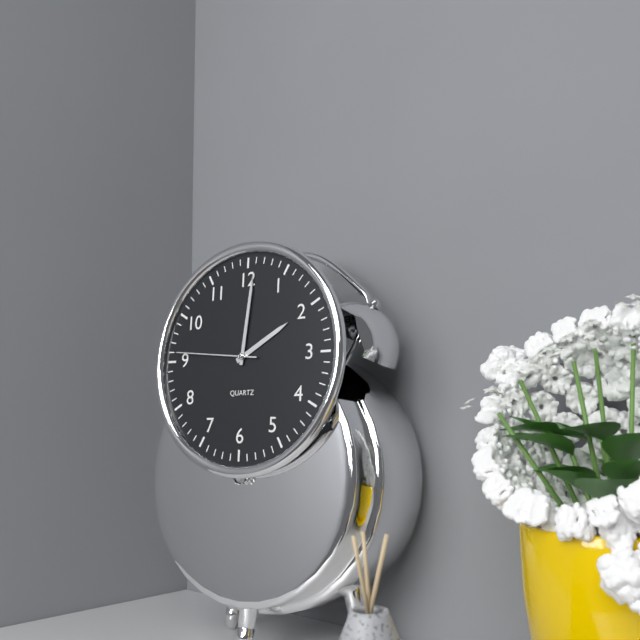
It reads 2h01m46s
